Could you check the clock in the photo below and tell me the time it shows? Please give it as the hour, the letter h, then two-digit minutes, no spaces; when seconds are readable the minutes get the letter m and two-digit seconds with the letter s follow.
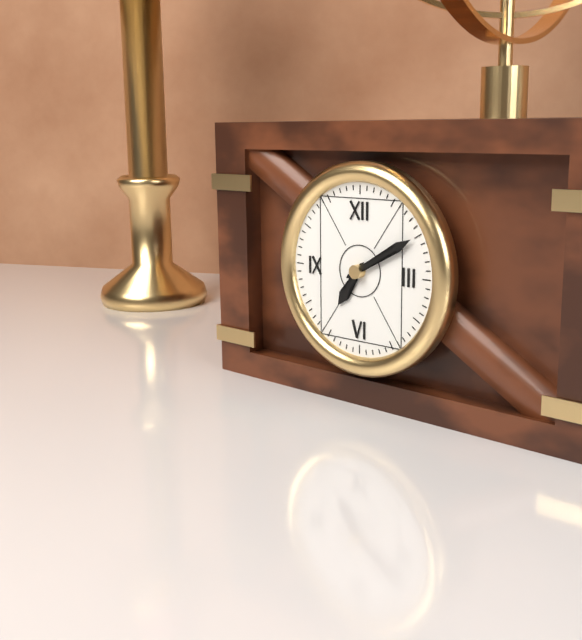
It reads 7h10
